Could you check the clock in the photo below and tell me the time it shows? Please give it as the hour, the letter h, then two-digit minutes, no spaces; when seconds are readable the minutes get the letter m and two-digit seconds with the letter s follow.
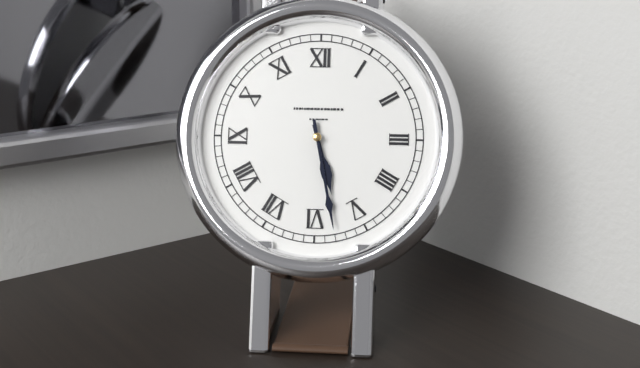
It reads 5h28
